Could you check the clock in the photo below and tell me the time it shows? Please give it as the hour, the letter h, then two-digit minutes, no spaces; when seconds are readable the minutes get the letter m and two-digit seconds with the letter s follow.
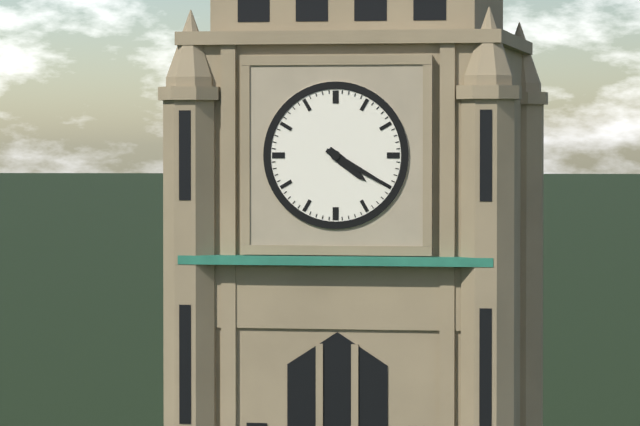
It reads 4h20
